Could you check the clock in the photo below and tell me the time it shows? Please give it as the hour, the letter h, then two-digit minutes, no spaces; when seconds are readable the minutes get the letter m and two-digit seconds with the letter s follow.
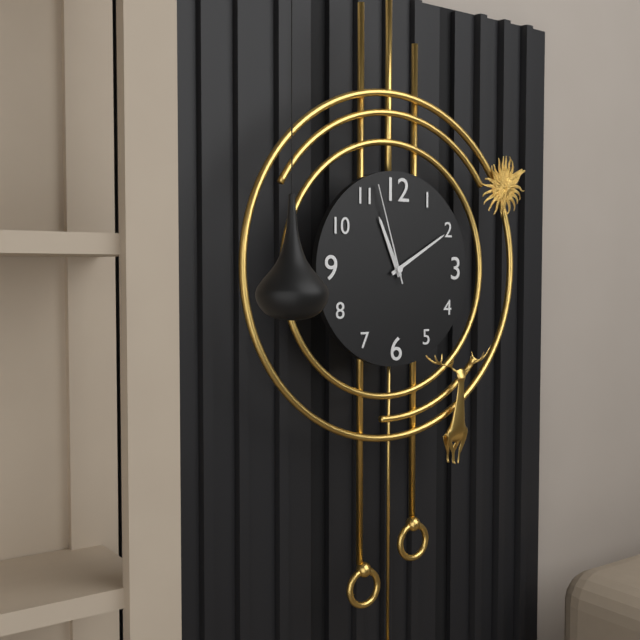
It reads 11h10m57s
